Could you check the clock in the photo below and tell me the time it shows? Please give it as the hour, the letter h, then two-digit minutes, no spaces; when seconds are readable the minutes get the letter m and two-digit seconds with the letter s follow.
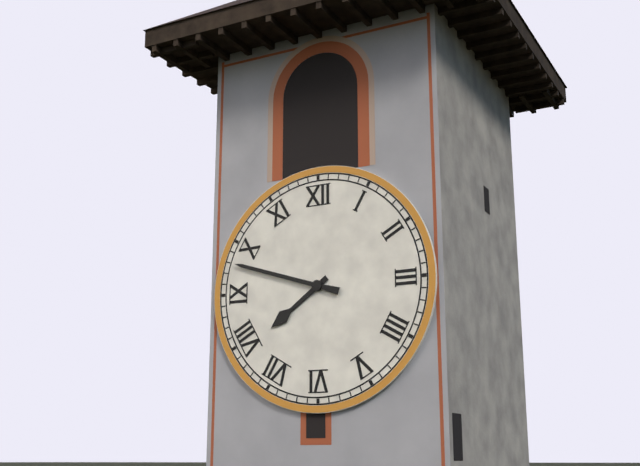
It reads 7h48
